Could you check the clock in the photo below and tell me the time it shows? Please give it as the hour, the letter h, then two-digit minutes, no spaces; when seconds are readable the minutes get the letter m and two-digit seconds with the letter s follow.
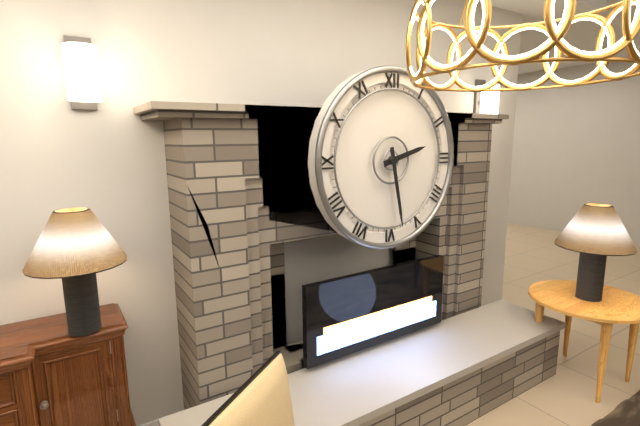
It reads 2h28
